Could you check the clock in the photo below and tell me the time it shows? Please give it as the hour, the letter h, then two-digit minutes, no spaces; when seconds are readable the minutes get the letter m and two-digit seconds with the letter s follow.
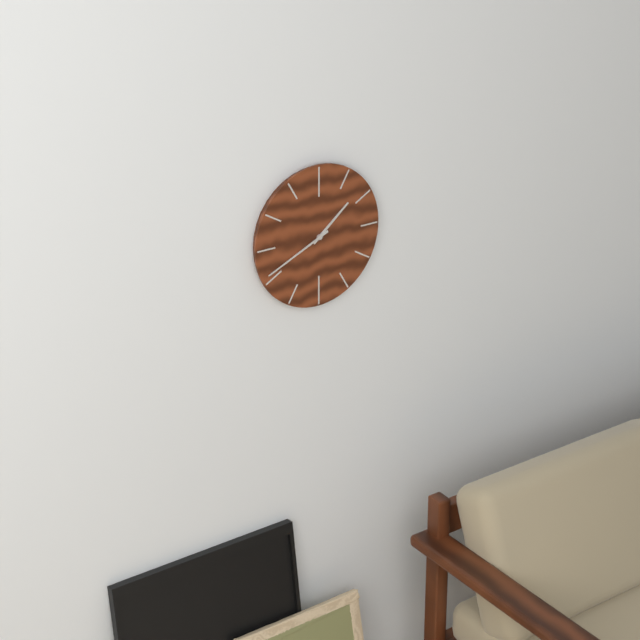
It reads 1h41
